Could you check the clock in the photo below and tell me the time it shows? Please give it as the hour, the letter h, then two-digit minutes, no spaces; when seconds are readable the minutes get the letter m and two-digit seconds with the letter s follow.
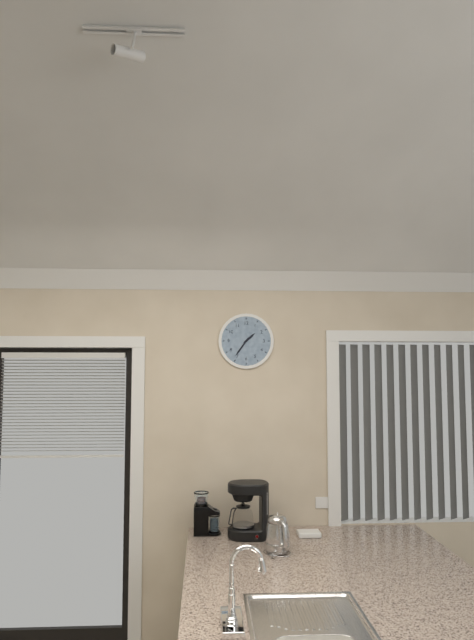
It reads 1h36
